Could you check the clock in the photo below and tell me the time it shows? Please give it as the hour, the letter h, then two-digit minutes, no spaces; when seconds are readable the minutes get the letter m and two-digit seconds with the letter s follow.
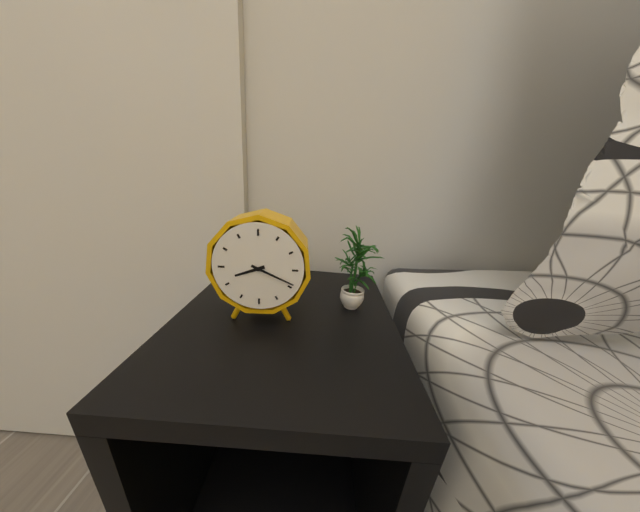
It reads 8h19
